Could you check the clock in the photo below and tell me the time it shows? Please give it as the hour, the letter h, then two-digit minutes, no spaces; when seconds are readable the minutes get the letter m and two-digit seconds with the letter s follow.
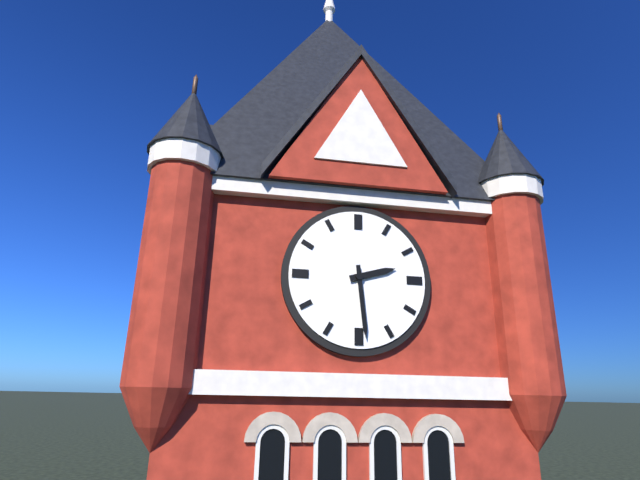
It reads 2h29
